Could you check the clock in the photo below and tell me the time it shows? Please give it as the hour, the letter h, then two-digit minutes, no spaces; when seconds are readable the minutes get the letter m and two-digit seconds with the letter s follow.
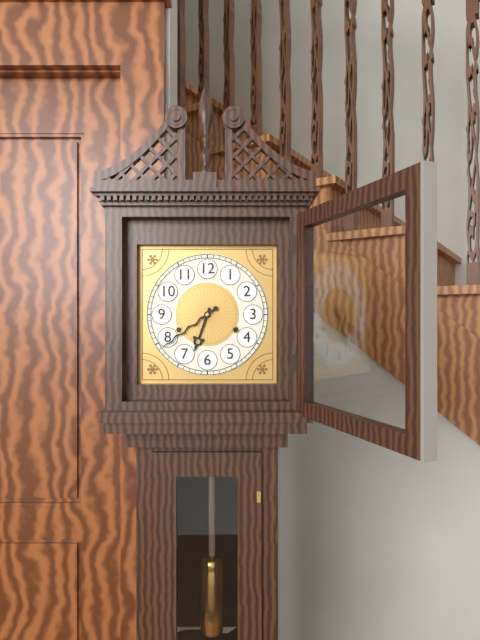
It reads 6h39
